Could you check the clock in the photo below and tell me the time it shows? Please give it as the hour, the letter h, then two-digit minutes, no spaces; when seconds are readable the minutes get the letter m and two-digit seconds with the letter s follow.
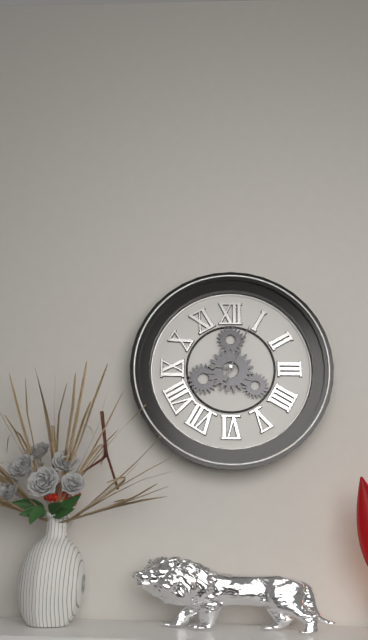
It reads 9h04
